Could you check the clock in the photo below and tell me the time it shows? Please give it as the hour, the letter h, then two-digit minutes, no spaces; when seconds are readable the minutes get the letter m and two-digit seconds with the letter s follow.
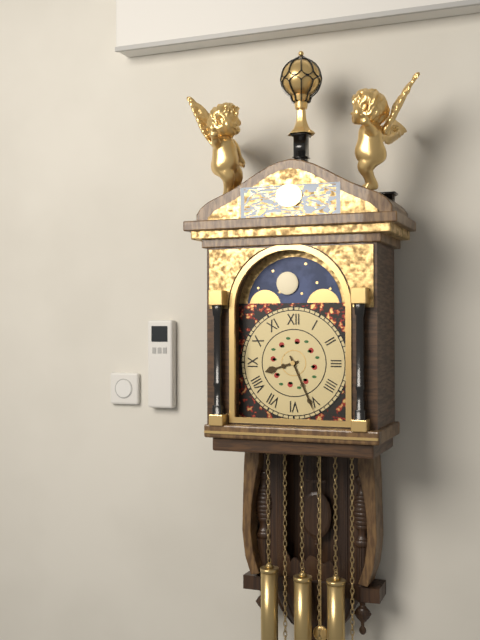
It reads 8h26
